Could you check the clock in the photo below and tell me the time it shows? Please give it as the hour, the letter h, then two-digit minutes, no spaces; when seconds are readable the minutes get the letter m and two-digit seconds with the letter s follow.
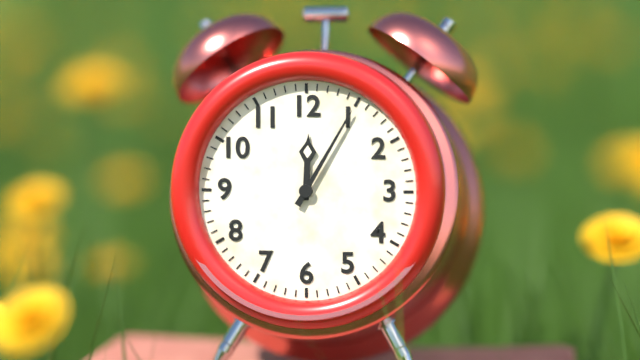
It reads 12h05
